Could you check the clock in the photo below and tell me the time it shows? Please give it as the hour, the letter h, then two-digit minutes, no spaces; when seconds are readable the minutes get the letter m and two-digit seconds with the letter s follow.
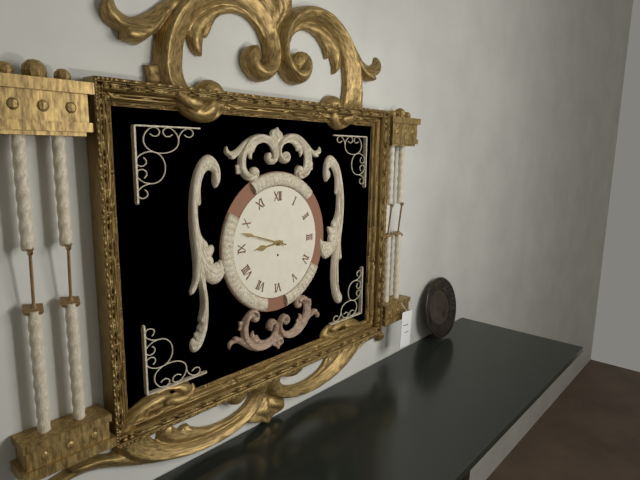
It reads 8h48
